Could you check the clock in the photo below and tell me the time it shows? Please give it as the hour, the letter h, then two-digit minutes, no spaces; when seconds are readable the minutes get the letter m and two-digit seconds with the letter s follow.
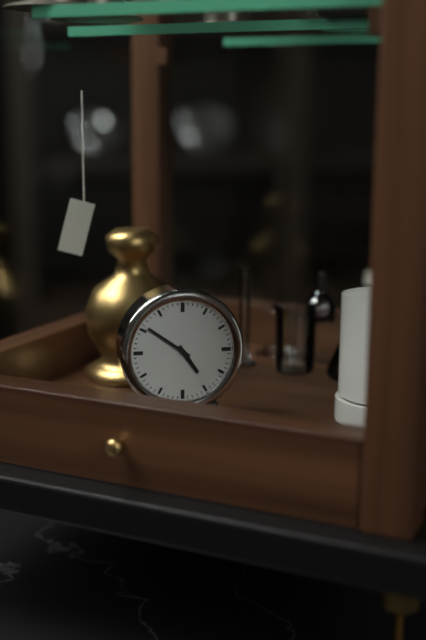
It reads 4h51
